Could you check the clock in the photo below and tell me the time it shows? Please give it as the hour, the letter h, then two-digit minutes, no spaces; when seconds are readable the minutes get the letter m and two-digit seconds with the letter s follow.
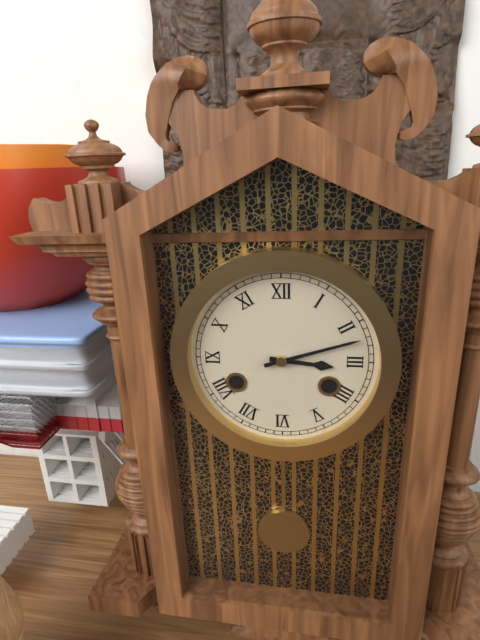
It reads 3h12
